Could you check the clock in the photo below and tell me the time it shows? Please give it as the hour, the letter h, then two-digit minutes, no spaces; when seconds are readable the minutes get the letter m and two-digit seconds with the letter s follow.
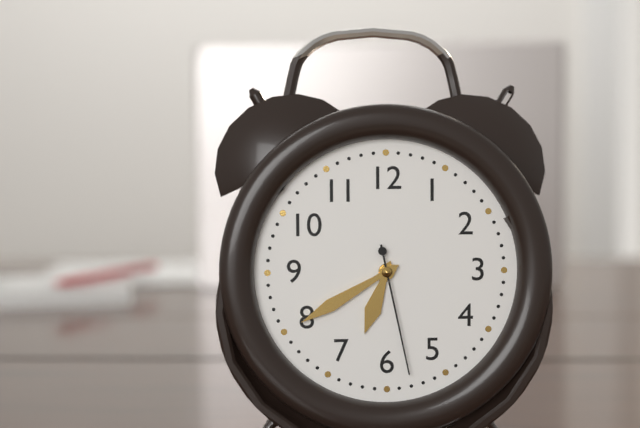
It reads 6h40m28s
